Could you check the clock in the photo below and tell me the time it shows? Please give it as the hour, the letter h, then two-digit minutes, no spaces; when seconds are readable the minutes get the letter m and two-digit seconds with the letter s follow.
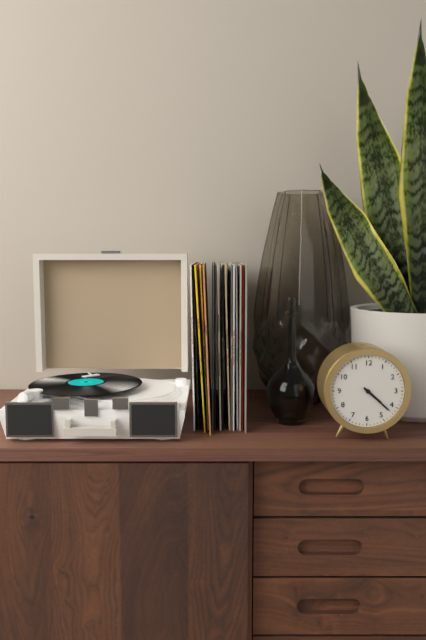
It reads 4h22
